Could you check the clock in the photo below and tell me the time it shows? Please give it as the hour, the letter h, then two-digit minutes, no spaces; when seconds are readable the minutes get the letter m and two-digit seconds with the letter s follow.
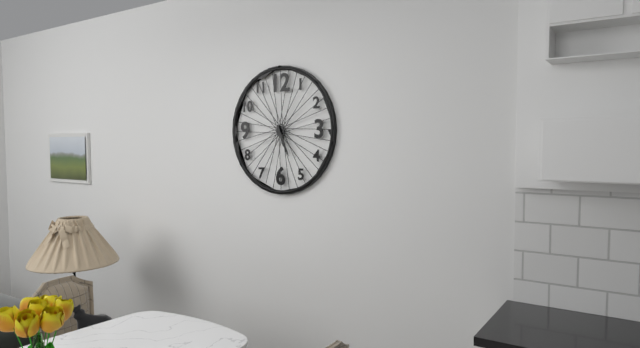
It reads 5h26
